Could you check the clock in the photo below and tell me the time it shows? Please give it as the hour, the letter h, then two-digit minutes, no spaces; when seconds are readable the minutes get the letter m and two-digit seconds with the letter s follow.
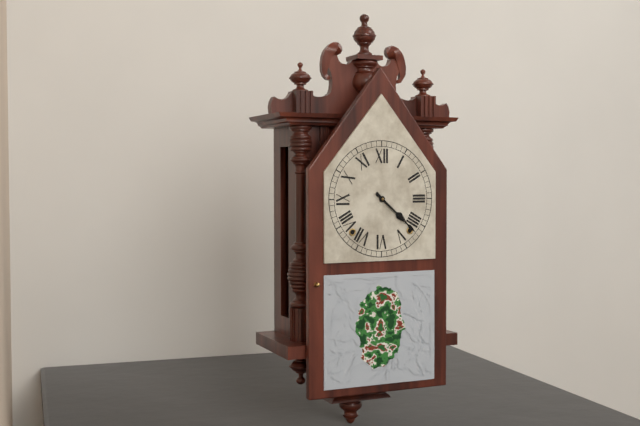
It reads 4h22
